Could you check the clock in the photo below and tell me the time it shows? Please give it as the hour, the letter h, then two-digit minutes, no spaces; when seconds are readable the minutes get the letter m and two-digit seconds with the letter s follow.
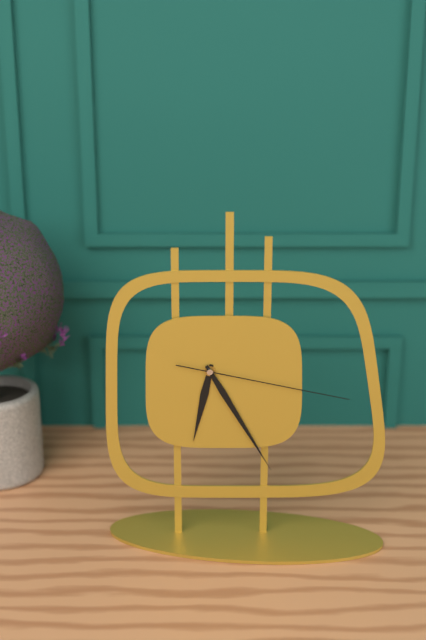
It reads 6h25m17s
